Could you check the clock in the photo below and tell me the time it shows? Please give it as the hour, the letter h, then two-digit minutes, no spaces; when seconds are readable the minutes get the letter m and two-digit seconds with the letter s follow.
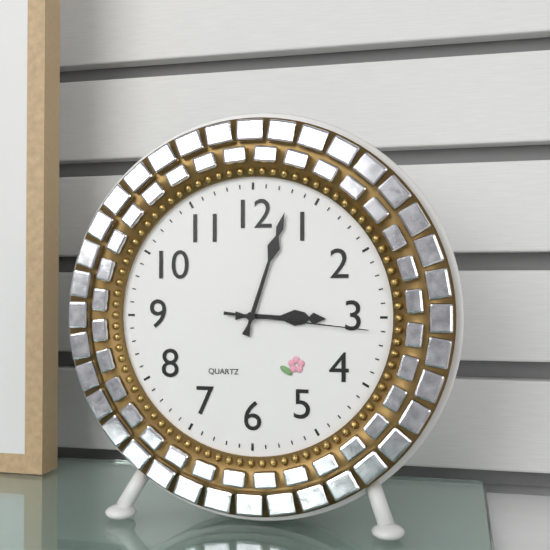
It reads 3h03m16s
